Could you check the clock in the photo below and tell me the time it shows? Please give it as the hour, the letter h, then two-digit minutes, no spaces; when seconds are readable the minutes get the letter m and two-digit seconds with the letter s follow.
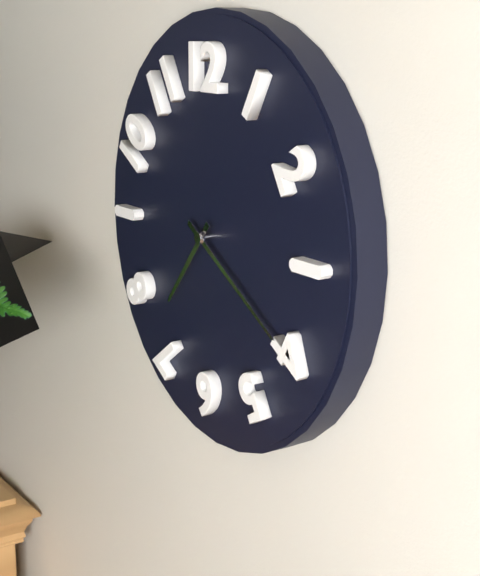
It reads 7h20
